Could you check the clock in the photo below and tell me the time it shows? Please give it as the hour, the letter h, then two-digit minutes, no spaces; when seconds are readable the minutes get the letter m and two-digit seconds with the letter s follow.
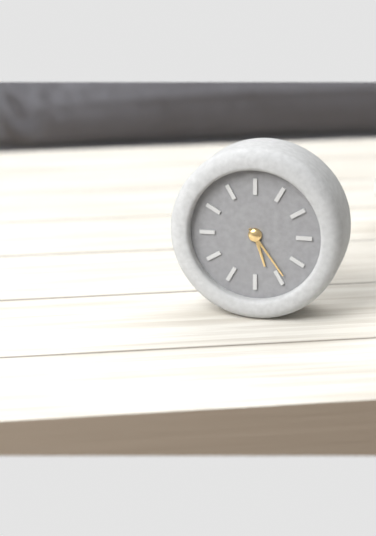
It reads 5h24
